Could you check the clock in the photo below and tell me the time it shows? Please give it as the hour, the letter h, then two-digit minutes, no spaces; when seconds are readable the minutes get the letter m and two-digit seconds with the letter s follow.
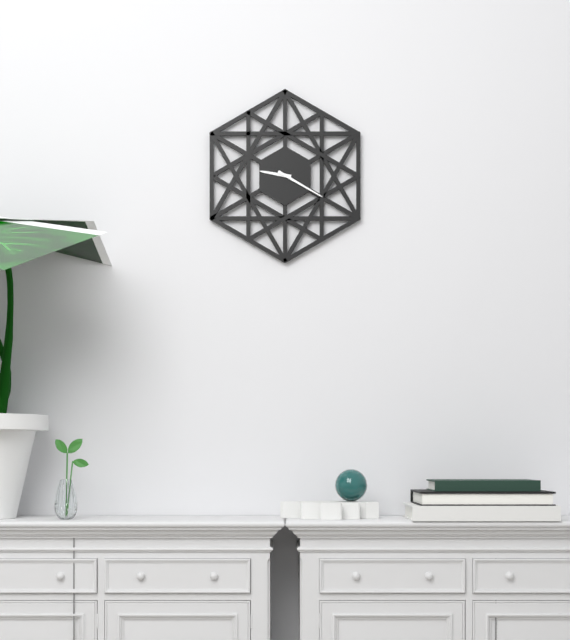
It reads 9h20
